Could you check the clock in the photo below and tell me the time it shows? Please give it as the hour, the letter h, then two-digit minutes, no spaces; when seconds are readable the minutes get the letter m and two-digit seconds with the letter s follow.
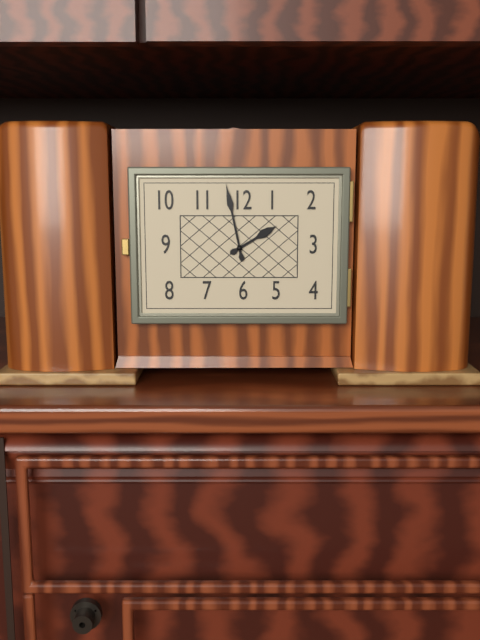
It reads 1h58
